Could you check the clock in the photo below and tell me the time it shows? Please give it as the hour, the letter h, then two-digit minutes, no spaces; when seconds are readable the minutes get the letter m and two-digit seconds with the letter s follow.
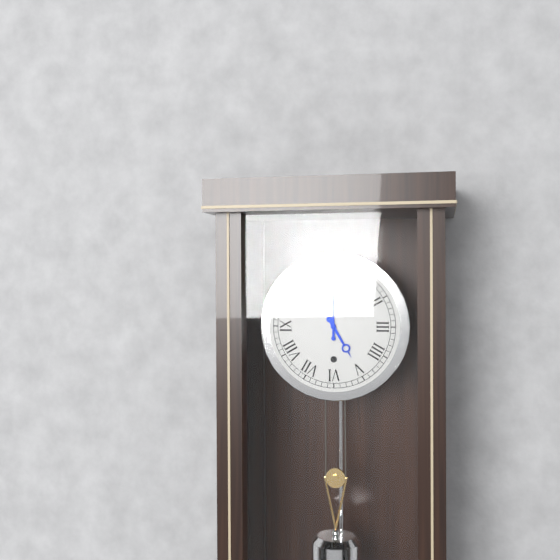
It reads 5h00
